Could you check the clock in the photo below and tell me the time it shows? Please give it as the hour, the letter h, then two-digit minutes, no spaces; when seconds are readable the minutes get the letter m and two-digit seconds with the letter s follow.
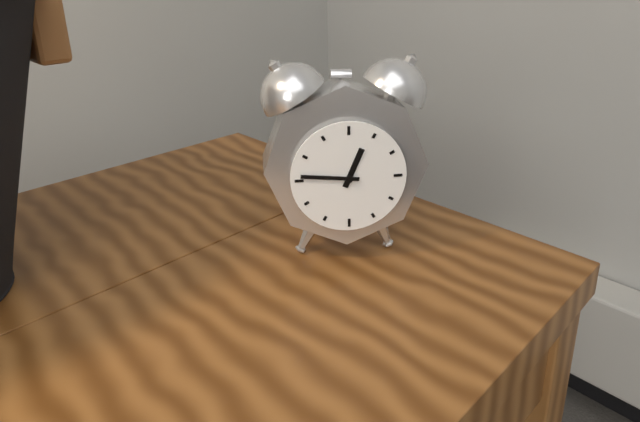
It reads 12h46
